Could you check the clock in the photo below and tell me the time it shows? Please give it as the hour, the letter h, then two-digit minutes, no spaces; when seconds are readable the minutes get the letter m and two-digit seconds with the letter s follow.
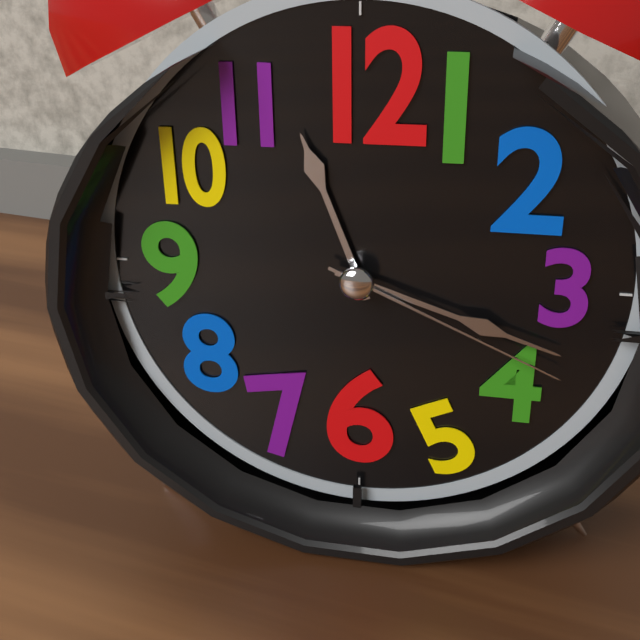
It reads 11h18m19s
